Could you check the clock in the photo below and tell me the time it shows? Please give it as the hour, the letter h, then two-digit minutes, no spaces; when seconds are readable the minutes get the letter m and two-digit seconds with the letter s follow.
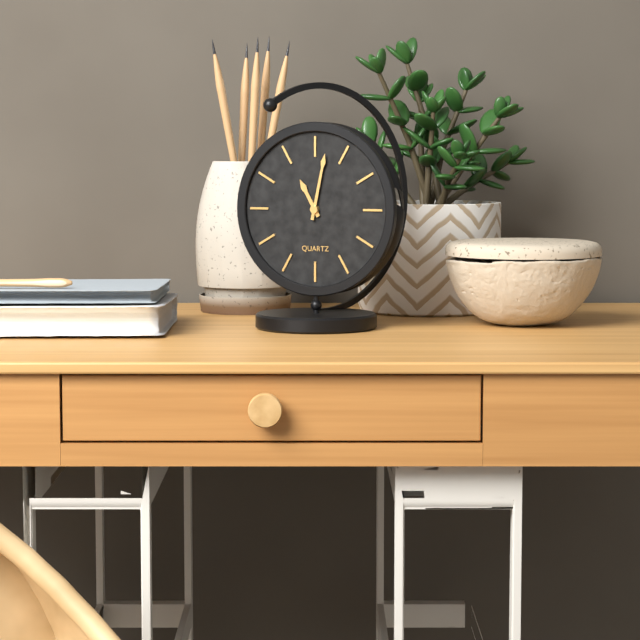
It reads 11h02
